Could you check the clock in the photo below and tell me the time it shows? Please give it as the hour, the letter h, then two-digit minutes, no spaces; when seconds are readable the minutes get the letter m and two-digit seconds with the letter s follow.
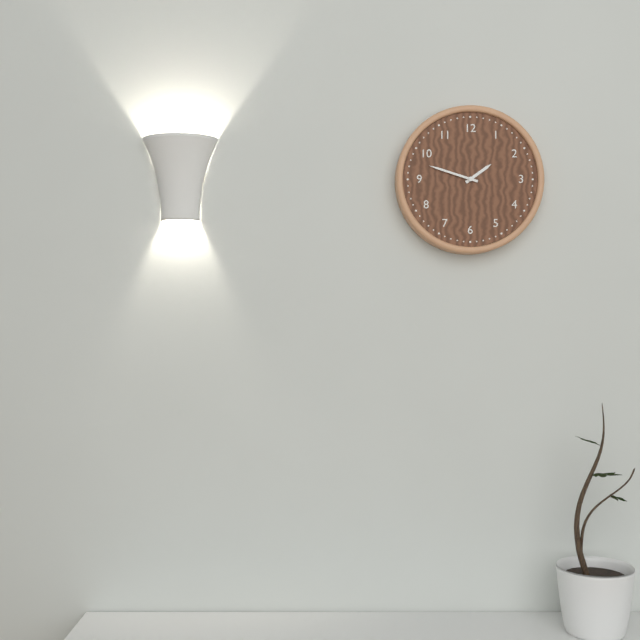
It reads 1h48
